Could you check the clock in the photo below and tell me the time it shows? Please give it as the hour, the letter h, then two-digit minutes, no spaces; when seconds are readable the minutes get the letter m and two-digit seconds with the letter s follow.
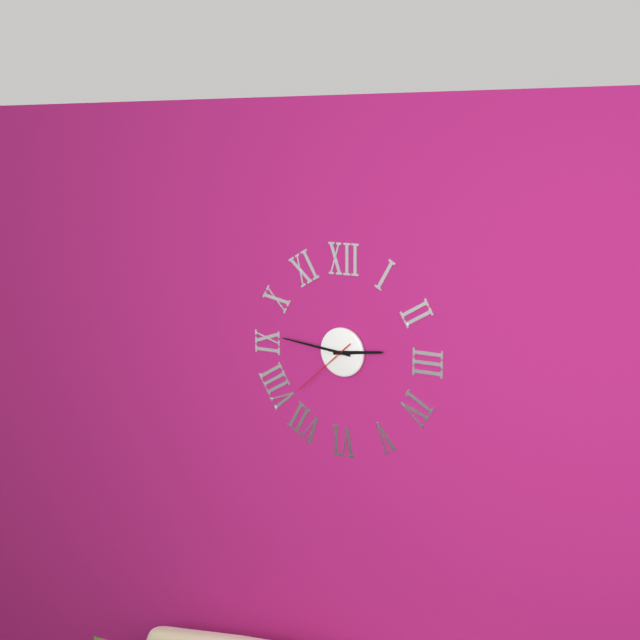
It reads 2h46m38s
